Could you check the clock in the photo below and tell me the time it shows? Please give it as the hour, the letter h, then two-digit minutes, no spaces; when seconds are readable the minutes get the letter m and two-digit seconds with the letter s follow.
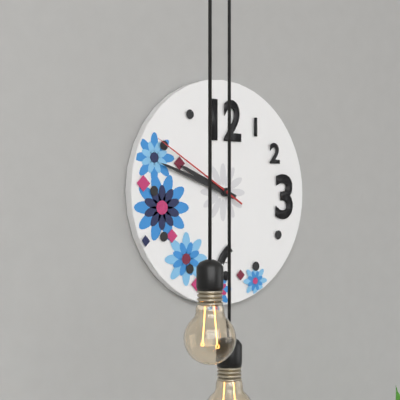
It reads 9h48m50s
